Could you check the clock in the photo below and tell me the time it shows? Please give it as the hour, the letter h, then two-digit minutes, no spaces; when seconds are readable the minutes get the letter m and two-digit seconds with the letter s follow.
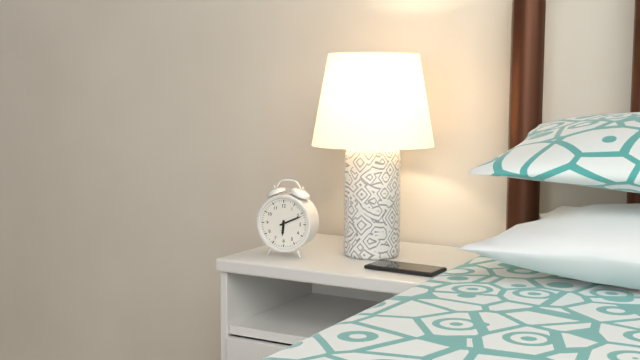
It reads 6h11
